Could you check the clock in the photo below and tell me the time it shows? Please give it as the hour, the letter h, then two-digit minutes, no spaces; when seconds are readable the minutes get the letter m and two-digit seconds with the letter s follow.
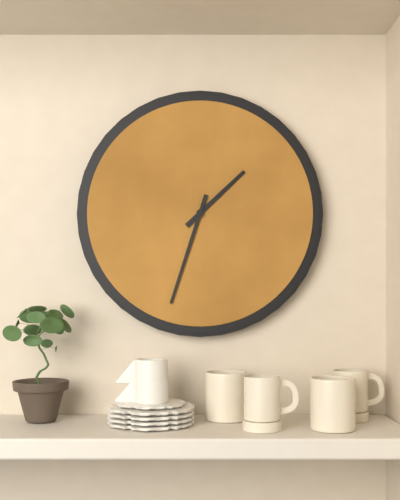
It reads 1h33
